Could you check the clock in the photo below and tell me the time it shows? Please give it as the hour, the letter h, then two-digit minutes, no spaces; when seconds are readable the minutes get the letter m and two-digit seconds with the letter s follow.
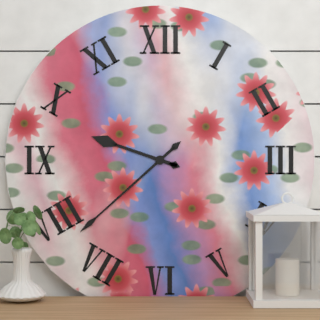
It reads 9h38
